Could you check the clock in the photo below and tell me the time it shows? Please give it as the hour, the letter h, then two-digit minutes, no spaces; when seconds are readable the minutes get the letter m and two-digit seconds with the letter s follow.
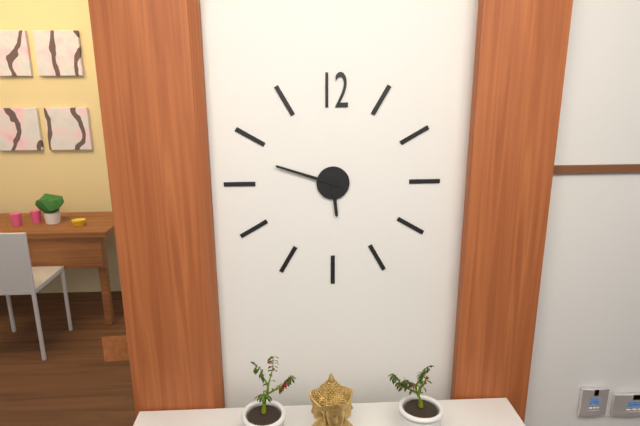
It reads 5h48
